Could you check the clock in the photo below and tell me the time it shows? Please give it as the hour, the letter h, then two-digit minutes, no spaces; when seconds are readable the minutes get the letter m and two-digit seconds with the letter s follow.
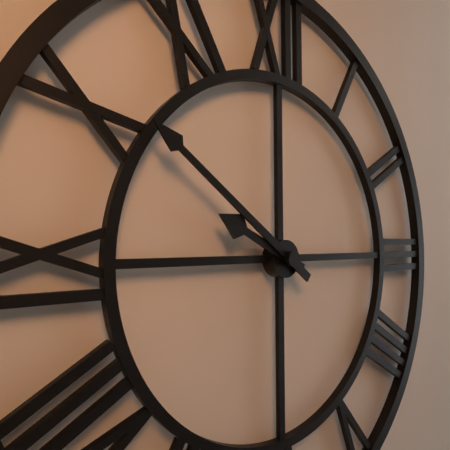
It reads 9h51
